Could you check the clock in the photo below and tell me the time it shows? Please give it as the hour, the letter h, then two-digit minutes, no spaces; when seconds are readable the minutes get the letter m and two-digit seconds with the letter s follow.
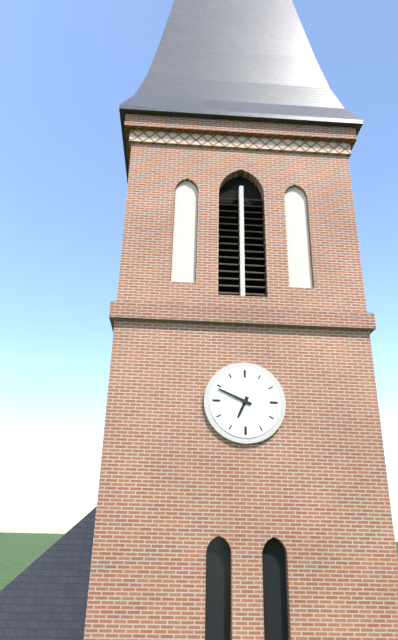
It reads 6h49
